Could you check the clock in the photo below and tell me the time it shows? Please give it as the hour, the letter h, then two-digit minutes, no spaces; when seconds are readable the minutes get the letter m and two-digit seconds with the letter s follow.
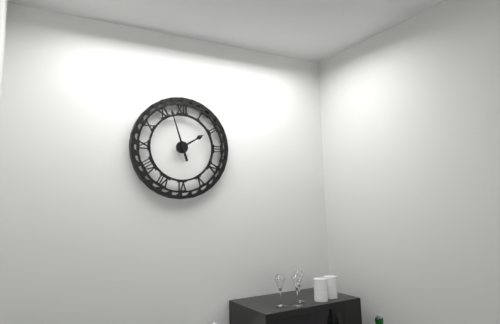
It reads 1h57
